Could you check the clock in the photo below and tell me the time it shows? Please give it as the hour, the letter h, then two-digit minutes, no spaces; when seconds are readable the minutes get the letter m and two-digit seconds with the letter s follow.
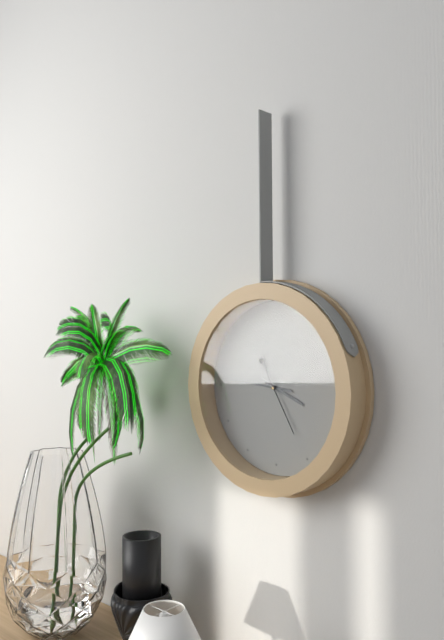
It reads 3h46m25s
